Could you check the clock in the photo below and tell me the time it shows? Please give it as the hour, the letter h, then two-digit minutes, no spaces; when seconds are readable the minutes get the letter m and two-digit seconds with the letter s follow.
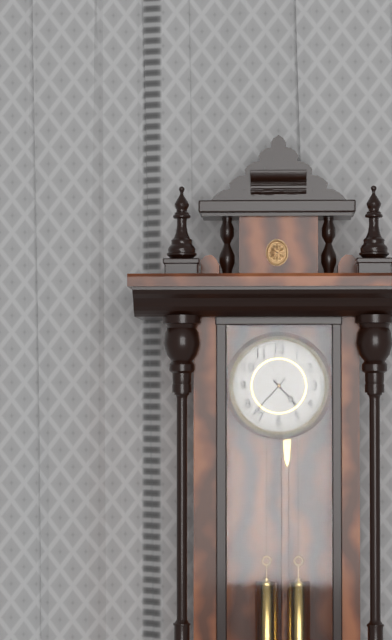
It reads 4h37
